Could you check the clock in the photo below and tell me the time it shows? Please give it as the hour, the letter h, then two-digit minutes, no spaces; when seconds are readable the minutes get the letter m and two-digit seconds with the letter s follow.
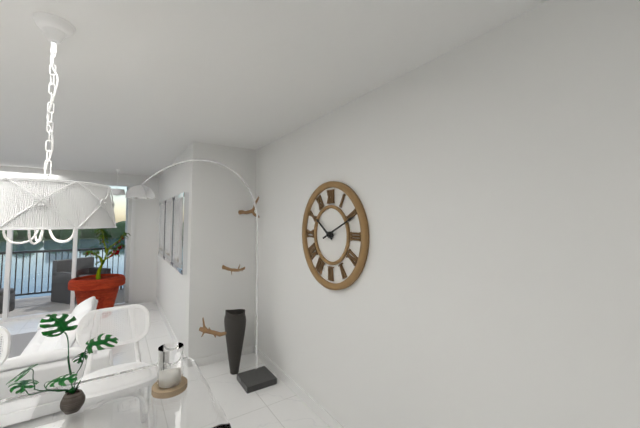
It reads 10h11
